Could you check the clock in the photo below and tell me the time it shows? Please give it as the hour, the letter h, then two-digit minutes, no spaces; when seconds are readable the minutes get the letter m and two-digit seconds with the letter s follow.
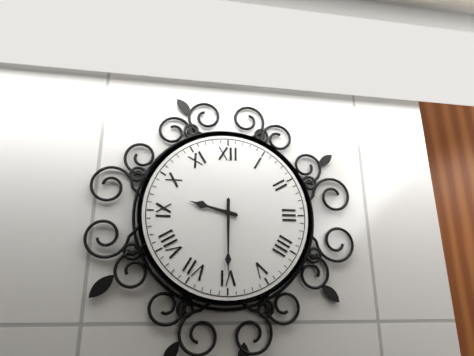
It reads 9h30
